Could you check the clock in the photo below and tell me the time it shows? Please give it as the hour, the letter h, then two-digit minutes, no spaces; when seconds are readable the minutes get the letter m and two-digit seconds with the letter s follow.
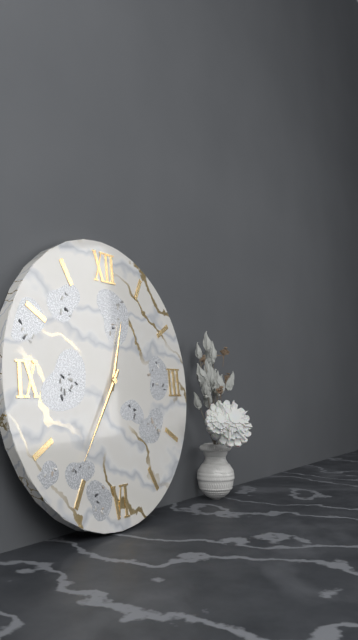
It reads 12h36
